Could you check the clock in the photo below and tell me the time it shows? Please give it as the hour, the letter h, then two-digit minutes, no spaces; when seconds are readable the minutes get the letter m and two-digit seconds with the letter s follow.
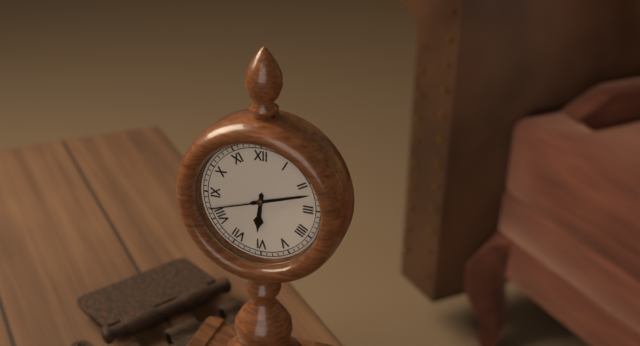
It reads 6h12m42s
